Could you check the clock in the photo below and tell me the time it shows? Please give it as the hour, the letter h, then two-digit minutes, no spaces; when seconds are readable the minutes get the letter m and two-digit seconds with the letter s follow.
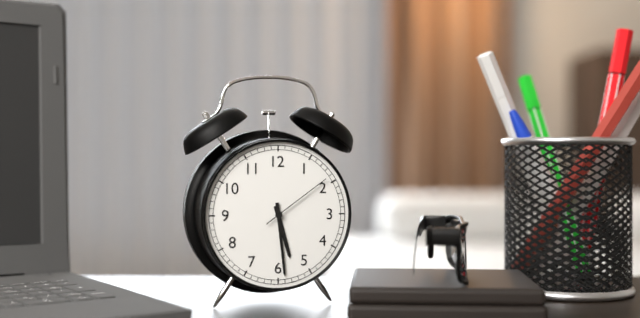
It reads 5h29m09s
